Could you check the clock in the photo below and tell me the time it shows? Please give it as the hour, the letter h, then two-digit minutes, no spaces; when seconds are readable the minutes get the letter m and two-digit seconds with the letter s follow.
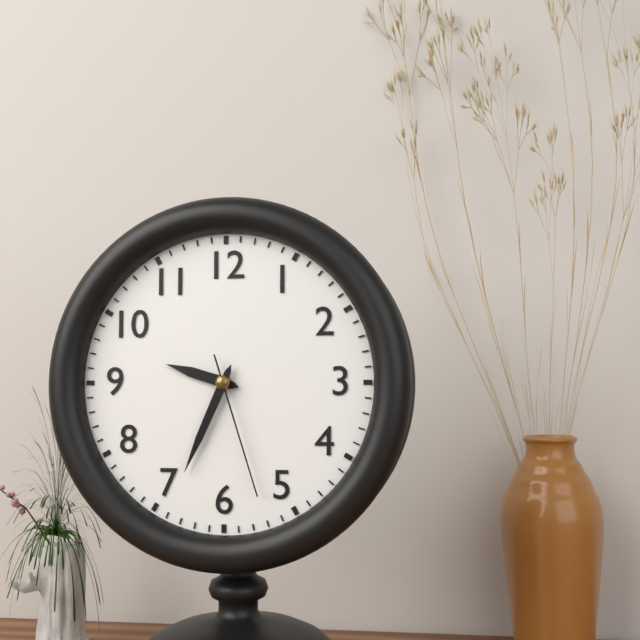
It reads 9h34m27s
